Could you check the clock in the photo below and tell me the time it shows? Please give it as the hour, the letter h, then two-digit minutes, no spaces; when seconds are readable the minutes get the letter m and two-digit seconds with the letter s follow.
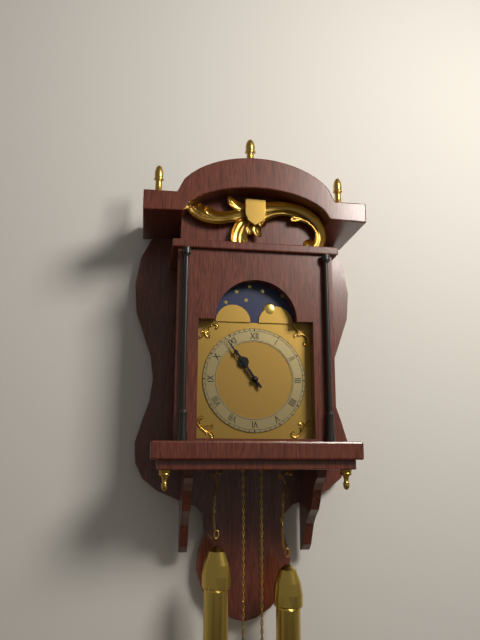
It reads 10h54
